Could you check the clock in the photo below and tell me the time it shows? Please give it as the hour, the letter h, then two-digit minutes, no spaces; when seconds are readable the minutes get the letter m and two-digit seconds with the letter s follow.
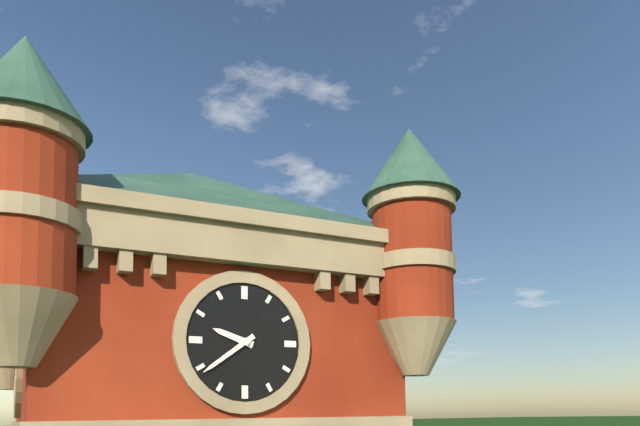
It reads 9h39
